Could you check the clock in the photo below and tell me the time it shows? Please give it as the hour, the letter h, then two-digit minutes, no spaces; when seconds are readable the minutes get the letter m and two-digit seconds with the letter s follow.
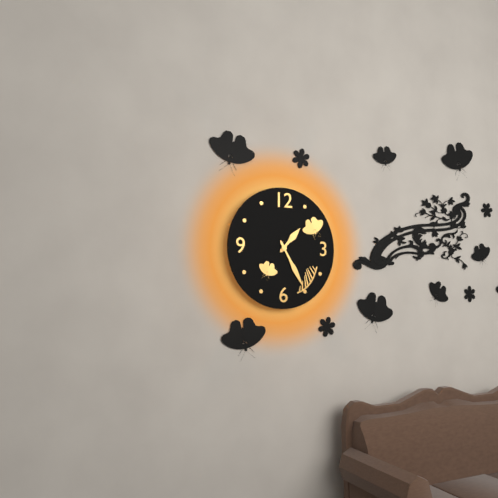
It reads 1h25
